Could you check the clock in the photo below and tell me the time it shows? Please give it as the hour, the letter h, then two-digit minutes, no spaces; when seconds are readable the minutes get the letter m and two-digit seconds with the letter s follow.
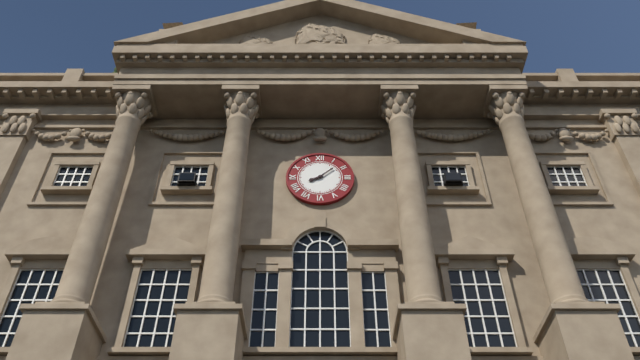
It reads 8h08
